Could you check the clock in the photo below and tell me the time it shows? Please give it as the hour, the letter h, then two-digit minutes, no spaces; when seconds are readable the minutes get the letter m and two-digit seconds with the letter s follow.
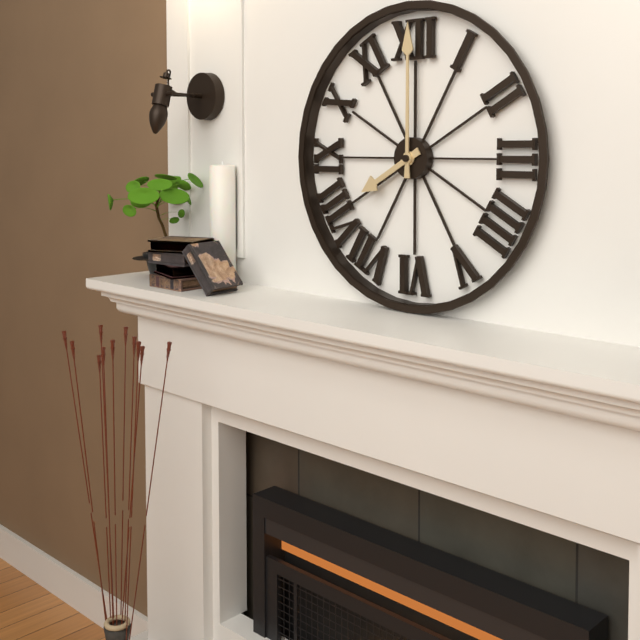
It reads 8h00
